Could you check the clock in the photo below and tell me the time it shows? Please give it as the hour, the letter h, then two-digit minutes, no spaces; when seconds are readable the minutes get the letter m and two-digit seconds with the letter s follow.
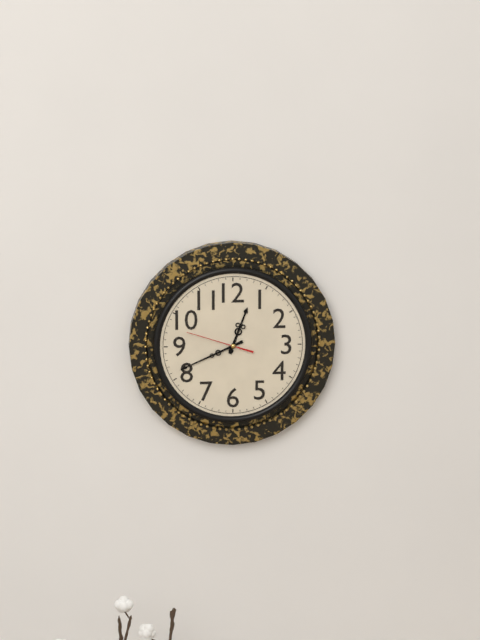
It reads 12h41m48s
